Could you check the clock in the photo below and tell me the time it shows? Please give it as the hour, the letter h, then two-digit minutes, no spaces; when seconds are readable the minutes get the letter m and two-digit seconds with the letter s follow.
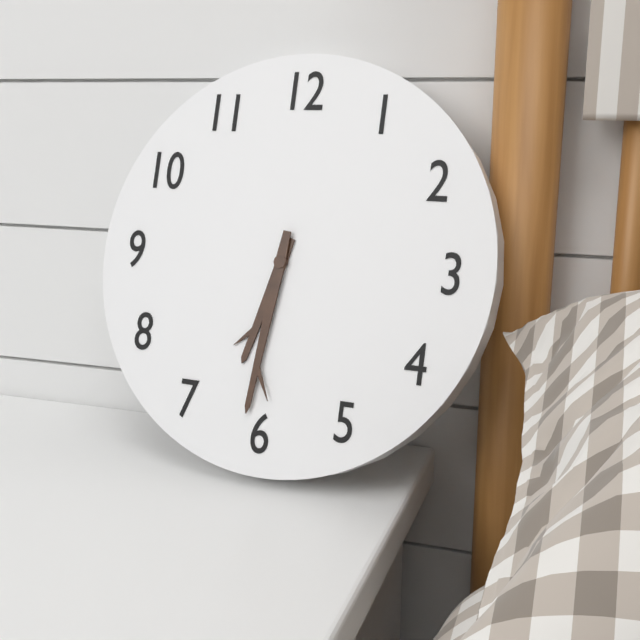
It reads 6h31
